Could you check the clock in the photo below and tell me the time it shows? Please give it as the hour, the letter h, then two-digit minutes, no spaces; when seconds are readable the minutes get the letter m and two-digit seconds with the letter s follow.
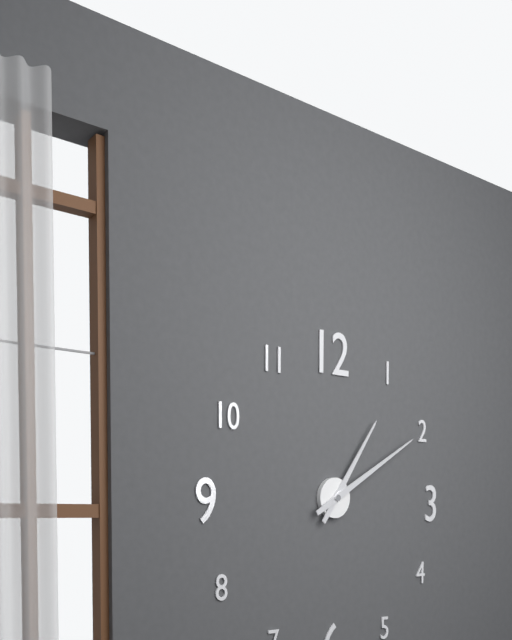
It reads 1h10
